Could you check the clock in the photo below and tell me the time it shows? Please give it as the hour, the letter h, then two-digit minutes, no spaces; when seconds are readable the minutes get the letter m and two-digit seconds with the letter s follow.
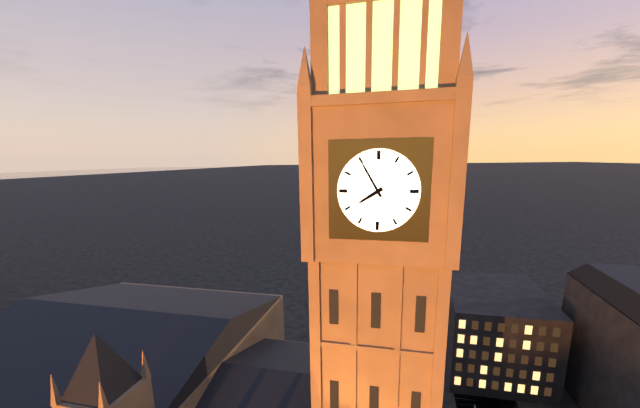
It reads 7h55
